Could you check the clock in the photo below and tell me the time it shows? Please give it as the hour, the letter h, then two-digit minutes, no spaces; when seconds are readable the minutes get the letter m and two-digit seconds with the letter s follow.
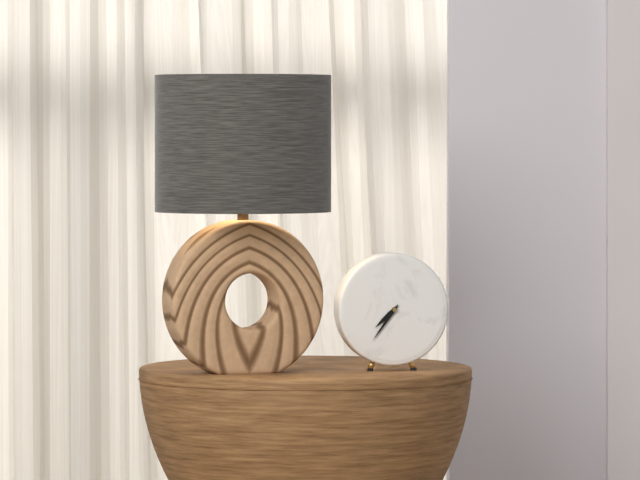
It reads 7h36
